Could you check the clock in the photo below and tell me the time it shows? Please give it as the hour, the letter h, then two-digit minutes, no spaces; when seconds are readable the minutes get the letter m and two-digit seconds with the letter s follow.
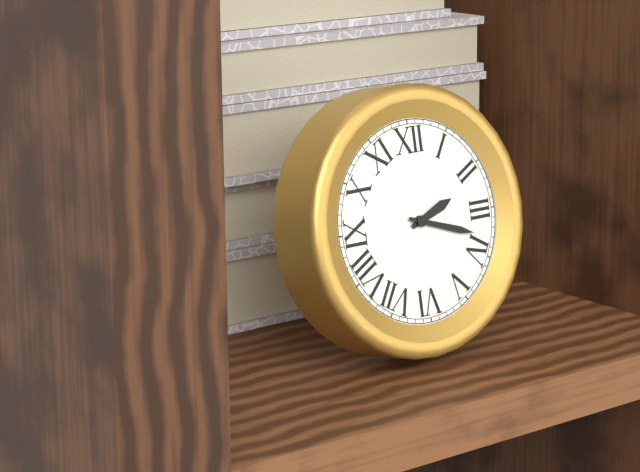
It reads 2h18
